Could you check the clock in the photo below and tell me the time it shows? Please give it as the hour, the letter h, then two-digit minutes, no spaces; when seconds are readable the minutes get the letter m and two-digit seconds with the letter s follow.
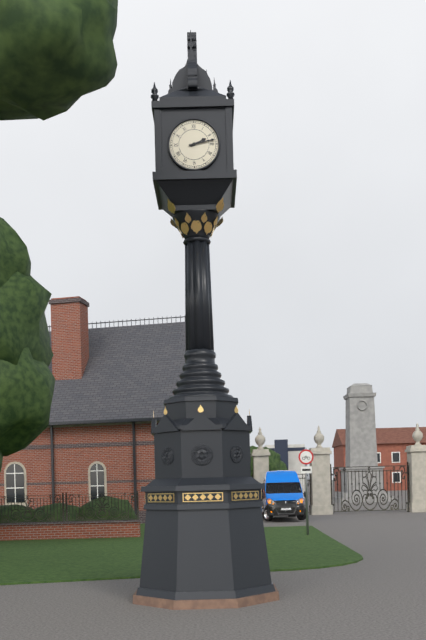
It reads 2h13
